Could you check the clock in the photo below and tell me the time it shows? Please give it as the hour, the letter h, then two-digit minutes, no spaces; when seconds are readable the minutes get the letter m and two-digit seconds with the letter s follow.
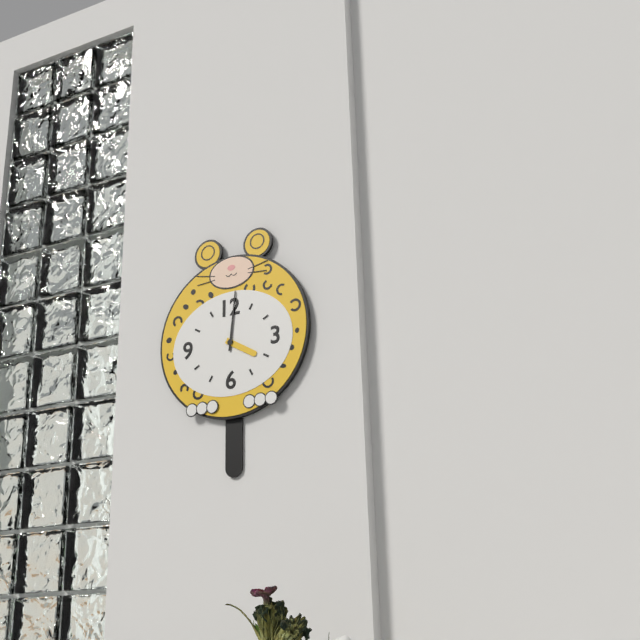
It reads 4h01
